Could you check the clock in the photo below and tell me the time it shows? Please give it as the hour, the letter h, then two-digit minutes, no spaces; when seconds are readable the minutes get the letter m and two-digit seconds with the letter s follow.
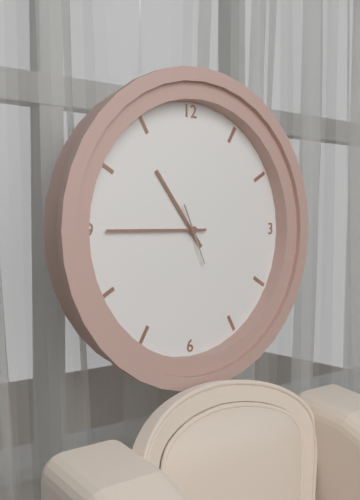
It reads 10h45
